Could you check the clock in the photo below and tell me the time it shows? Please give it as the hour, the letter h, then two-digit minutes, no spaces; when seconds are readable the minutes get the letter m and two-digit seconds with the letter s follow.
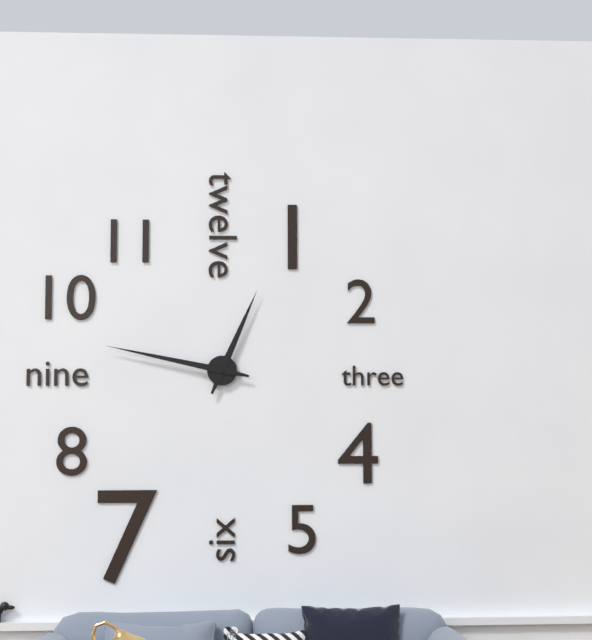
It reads 12h47
